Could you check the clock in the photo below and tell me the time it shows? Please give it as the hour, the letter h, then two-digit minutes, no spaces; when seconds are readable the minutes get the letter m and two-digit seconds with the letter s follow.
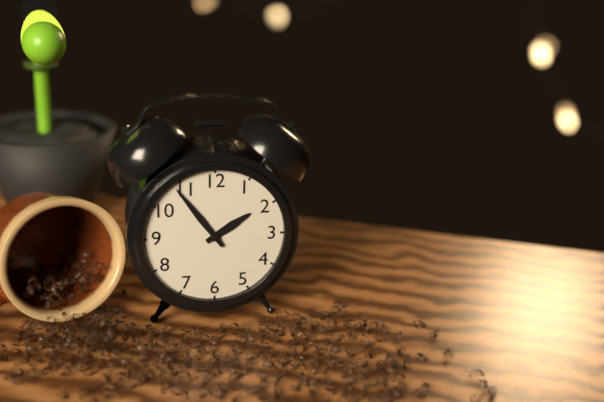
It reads 1h54
